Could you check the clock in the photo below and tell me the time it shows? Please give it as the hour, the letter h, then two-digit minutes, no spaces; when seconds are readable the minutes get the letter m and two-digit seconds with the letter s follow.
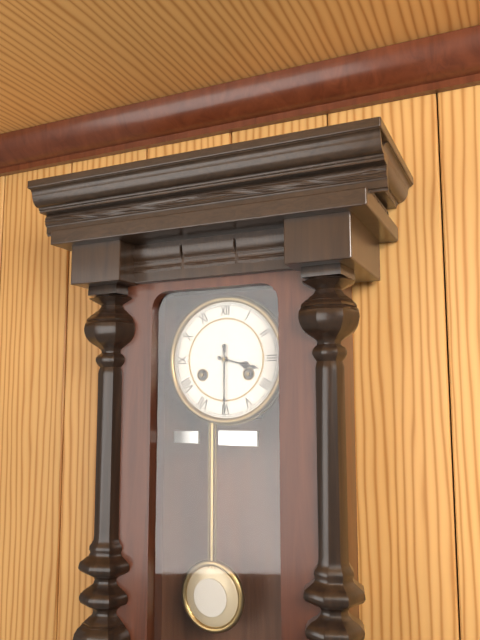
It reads 3h30
